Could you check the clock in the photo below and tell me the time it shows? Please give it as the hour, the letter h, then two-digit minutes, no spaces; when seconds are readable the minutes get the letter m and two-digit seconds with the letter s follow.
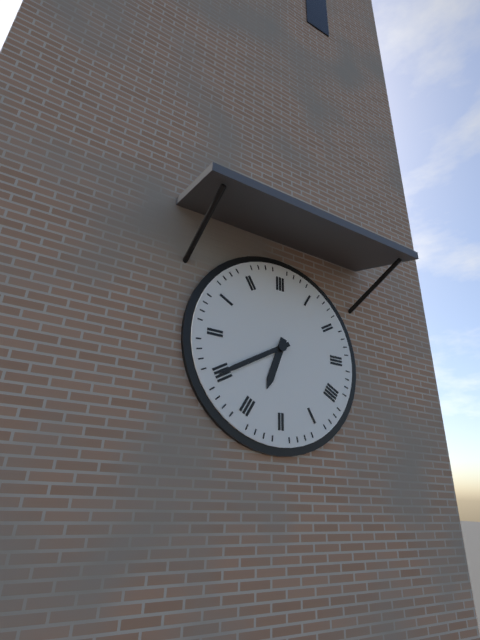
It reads 6h40
